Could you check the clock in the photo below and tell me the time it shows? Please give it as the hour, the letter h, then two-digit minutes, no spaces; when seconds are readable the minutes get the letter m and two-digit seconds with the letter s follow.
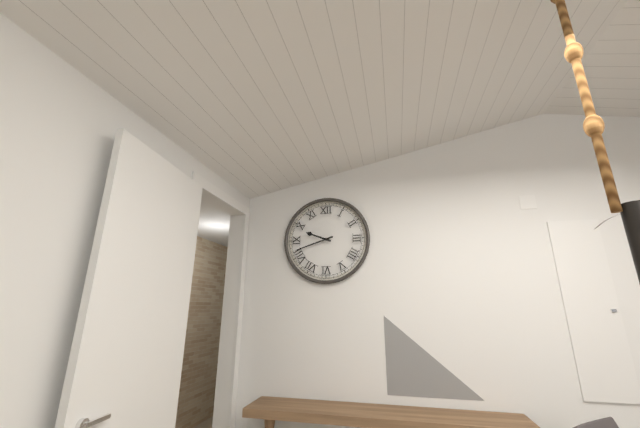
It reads 9h42
